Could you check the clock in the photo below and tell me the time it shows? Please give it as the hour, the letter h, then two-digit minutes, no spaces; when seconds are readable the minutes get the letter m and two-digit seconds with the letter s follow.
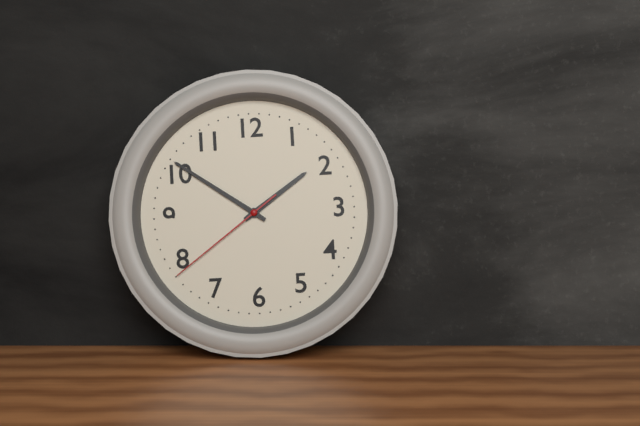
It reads 1h51m39s
